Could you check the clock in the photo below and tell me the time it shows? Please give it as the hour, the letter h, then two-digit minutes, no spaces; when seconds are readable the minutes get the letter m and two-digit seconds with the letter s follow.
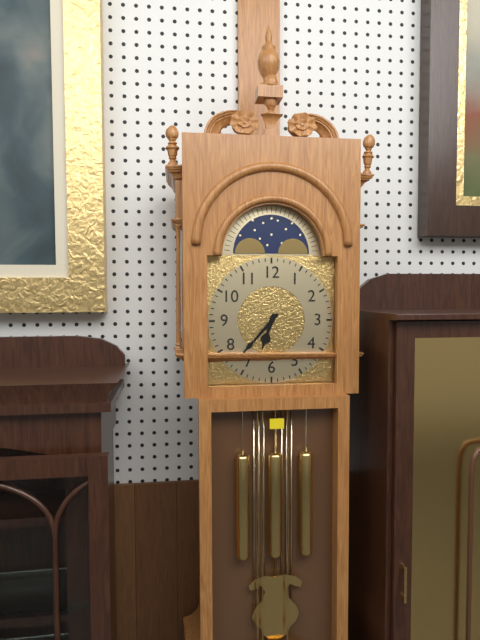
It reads 6h37
